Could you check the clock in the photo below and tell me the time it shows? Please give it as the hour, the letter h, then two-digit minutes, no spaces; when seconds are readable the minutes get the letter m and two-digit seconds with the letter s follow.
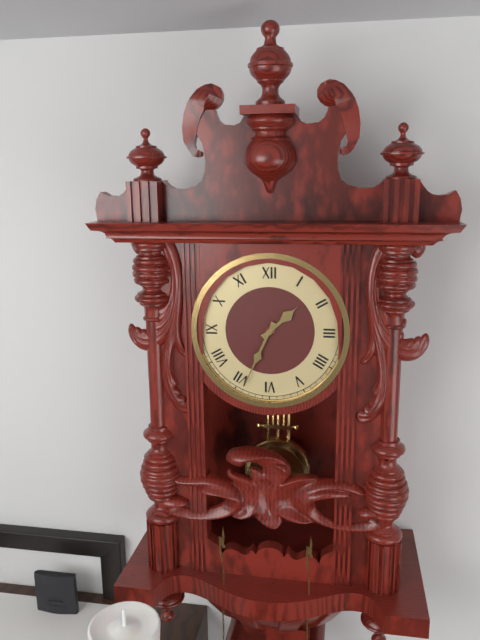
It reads 1h34
